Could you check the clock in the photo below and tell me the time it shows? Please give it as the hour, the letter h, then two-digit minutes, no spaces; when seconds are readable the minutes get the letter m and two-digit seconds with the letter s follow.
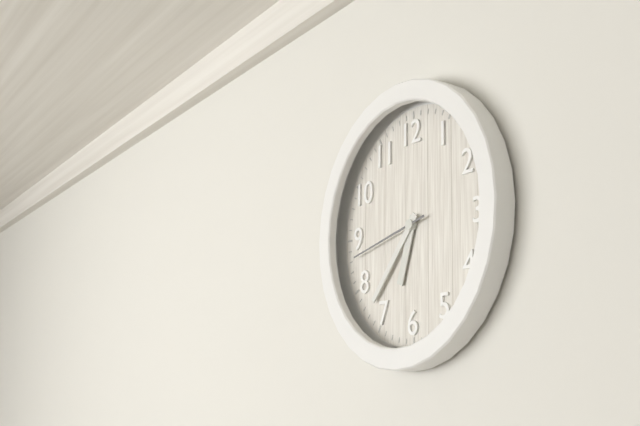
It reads 6h37m43s
